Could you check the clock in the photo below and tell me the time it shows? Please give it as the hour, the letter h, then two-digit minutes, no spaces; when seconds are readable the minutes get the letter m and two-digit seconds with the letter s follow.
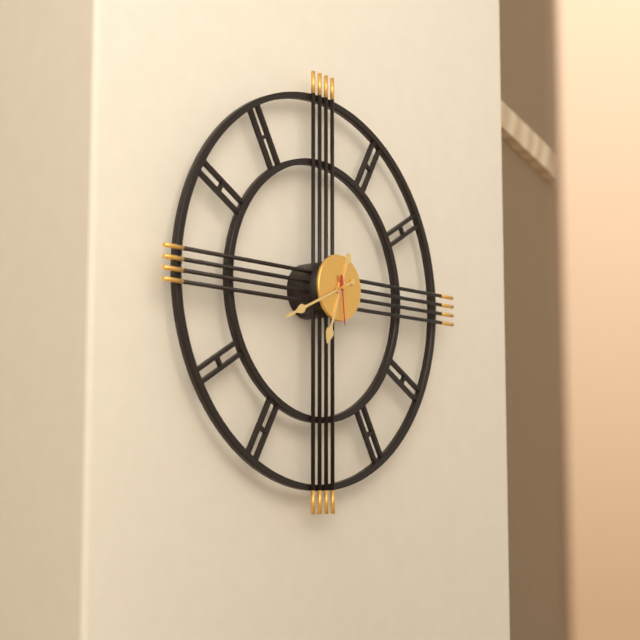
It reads 6h41
